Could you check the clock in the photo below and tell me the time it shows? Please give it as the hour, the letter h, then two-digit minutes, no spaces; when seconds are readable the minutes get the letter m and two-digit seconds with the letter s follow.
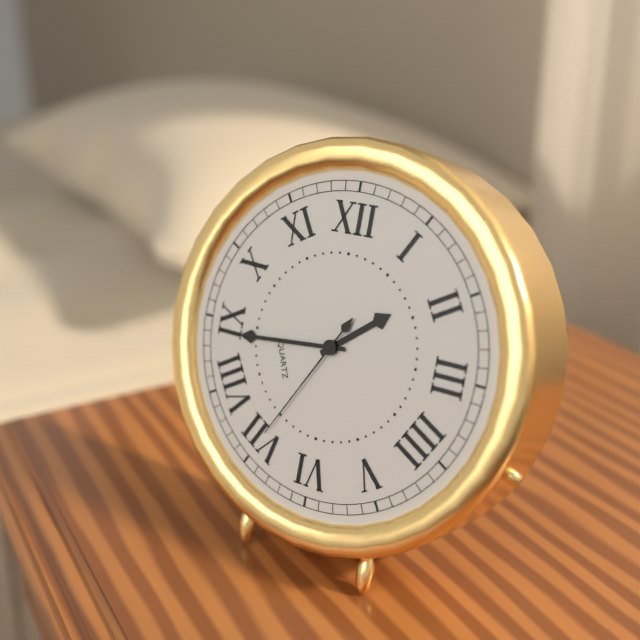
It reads 1h44m35s
